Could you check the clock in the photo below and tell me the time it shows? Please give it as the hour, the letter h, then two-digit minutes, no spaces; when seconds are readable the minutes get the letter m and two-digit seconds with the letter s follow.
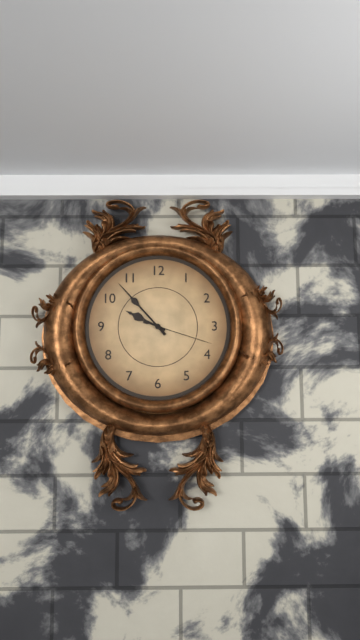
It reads 9h53m18s
